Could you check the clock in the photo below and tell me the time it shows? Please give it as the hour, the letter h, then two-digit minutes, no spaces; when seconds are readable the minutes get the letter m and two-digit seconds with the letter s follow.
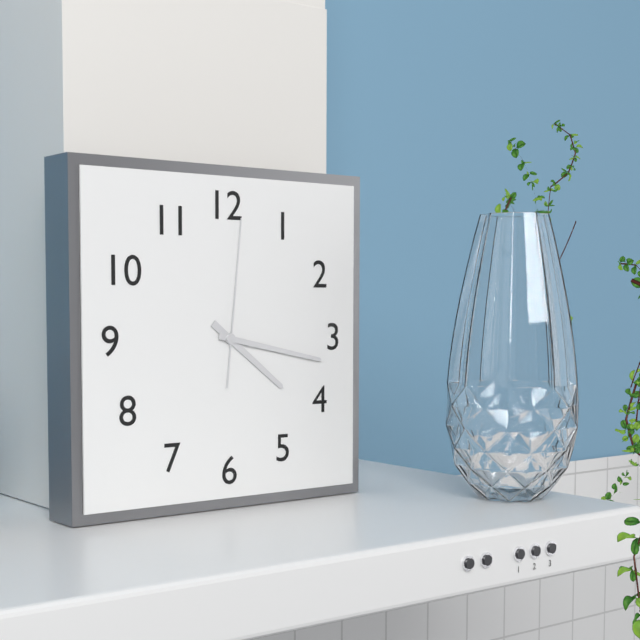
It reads 4h17m01s
